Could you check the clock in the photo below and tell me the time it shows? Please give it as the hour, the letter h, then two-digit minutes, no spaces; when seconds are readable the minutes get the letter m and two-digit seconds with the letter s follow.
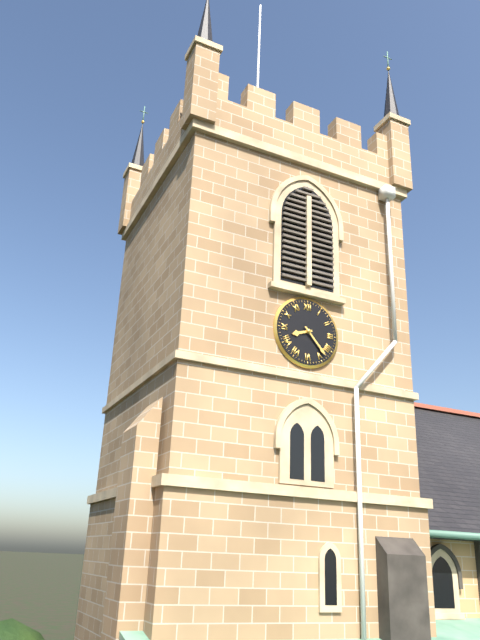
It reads 8h23
